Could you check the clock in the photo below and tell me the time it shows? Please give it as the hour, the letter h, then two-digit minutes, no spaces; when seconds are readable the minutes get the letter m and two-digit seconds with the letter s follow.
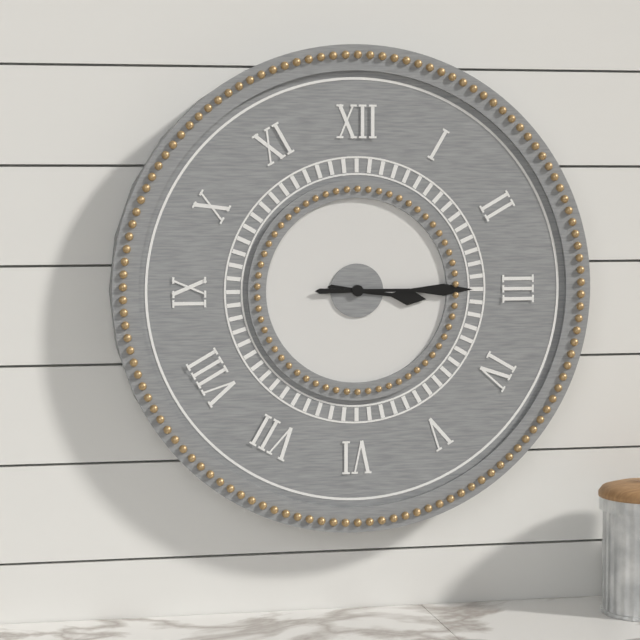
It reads 3h15
